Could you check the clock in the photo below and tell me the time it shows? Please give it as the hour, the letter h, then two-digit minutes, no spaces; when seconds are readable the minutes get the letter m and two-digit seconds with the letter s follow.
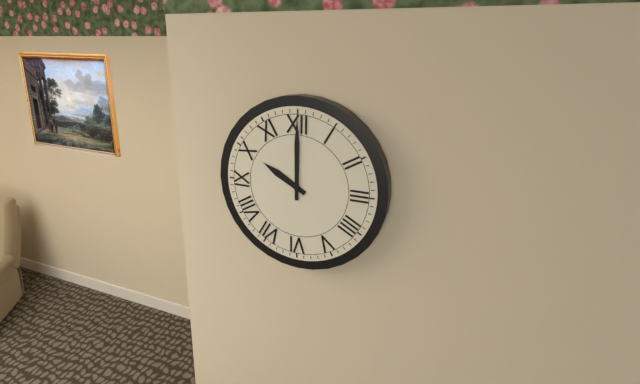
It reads 10h00
